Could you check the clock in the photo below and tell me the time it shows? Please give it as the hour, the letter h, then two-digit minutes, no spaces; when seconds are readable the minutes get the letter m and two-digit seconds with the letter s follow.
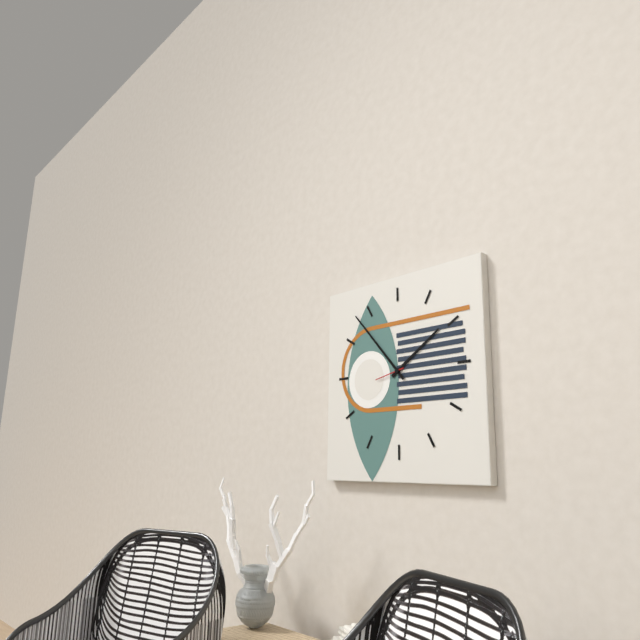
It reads 1h53
